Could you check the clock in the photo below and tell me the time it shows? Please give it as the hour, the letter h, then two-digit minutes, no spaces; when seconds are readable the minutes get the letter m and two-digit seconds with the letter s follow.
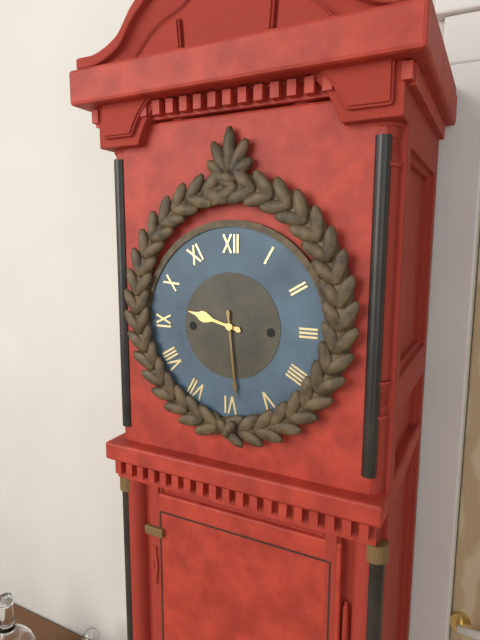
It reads 9h29
